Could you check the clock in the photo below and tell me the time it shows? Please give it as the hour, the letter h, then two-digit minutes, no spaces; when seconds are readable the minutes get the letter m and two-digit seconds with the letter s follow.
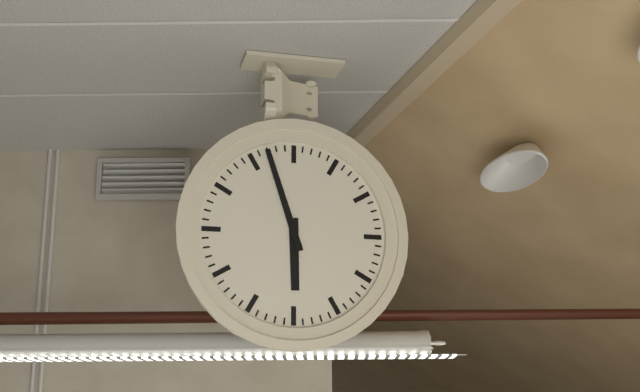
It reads 5h57
